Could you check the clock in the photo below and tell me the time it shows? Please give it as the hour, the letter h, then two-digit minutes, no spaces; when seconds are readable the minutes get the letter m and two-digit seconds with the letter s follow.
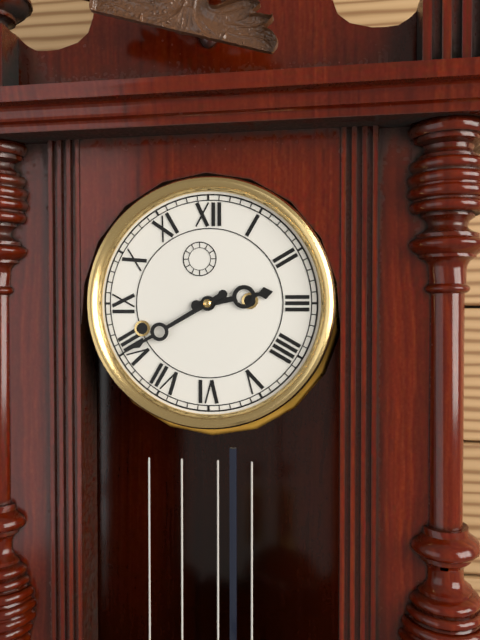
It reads 2h40
